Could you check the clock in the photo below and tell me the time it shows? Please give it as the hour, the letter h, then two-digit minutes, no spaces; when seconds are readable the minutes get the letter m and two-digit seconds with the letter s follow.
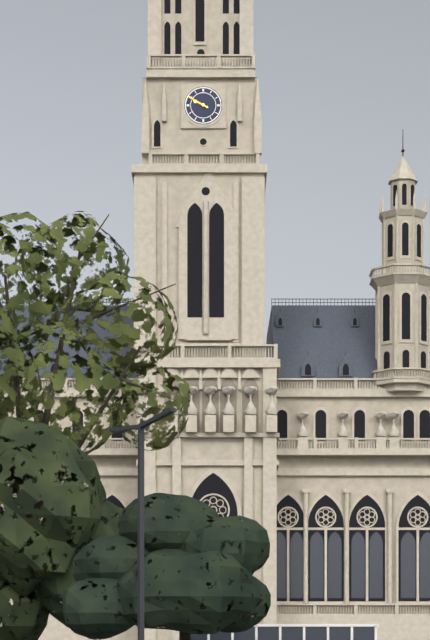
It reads 9h50
